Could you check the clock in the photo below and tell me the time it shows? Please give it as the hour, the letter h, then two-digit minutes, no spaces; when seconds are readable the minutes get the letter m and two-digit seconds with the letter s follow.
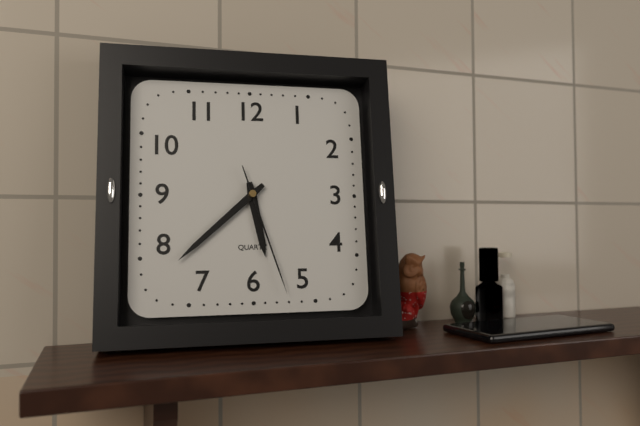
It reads 5h38m27s
